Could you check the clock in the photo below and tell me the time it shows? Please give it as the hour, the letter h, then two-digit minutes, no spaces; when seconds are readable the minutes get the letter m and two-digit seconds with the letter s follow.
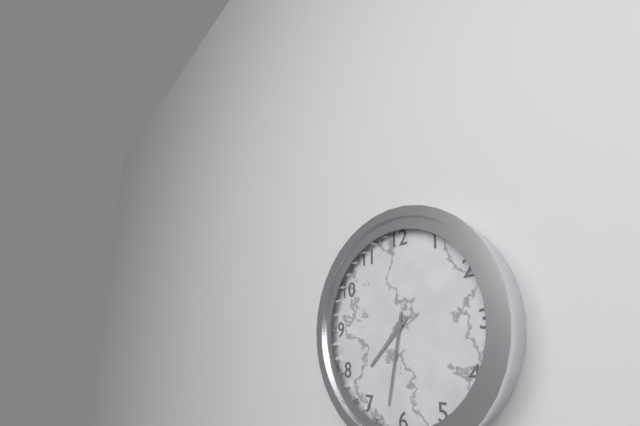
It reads 7h32
